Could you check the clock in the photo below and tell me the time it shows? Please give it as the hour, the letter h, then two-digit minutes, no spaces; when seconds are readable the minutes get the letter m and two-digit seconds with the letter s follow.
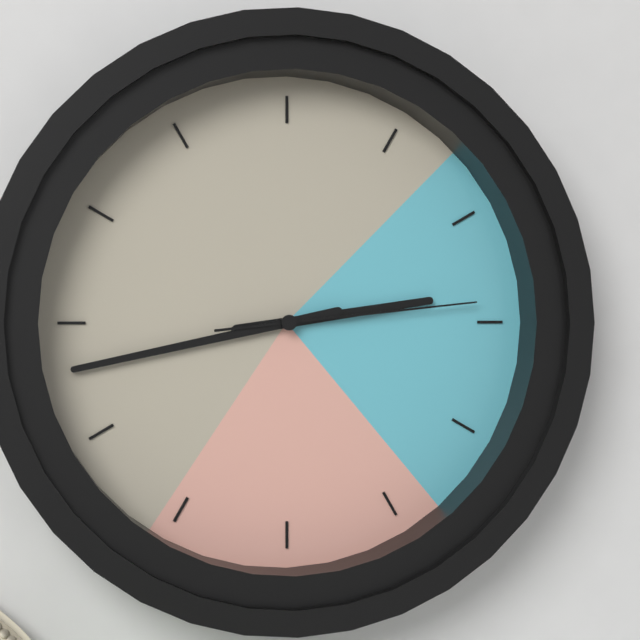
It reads 2h43m14s
